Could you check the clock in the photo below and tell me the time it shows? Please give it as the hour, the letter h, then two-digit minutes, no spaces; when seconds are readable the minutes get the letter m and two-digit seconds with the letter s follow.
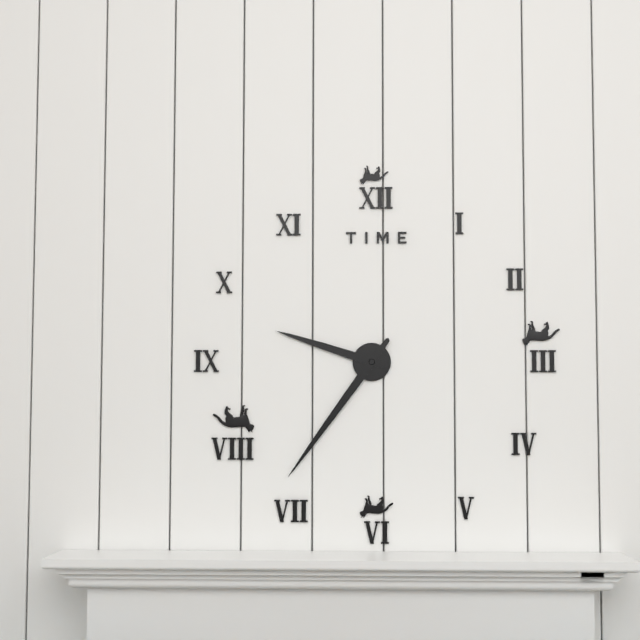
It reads 9h36
